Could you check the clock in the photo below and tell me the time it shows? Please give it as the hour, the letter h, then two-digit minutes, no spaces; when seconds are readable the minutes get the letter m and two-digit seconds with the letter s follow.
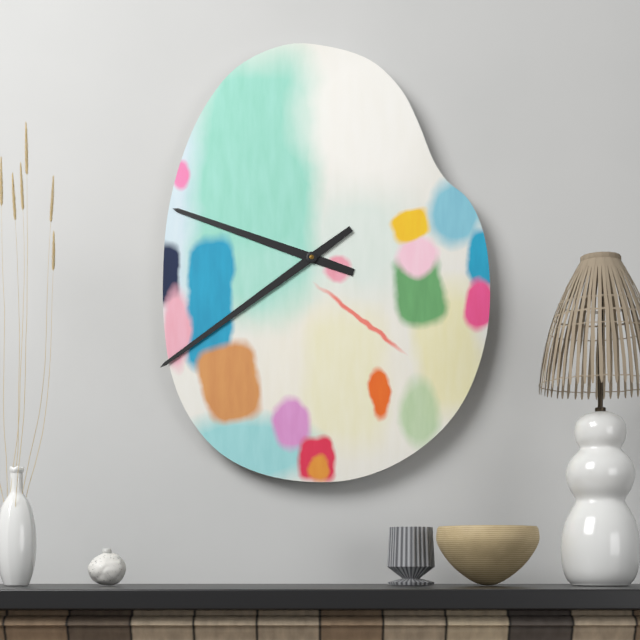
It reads 9h39
